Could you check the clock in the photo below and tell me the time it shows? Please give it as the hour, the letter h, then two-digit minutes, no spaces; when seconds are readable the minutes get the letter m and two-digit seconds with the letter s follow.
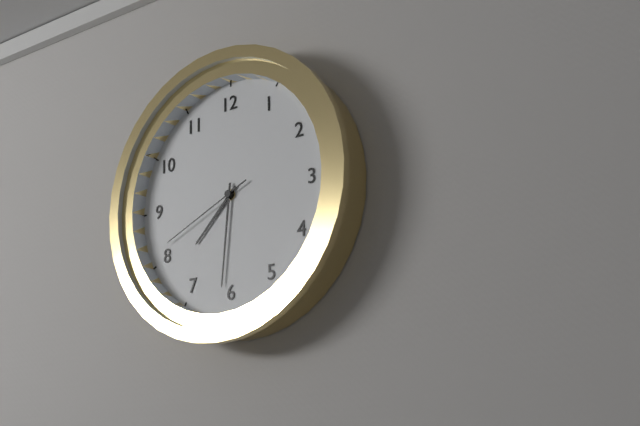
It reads 7h31m41s
